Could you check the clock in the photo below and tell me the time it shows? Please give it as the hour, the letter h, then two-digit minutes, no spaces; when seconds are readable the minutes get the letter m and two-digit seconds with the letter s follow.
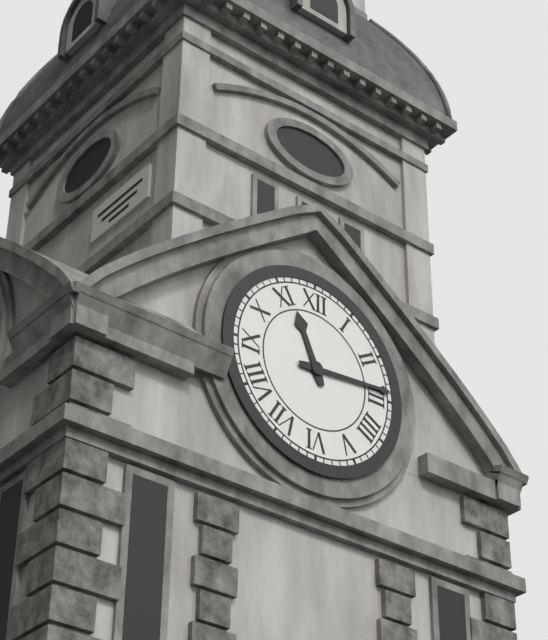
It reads 11h14
